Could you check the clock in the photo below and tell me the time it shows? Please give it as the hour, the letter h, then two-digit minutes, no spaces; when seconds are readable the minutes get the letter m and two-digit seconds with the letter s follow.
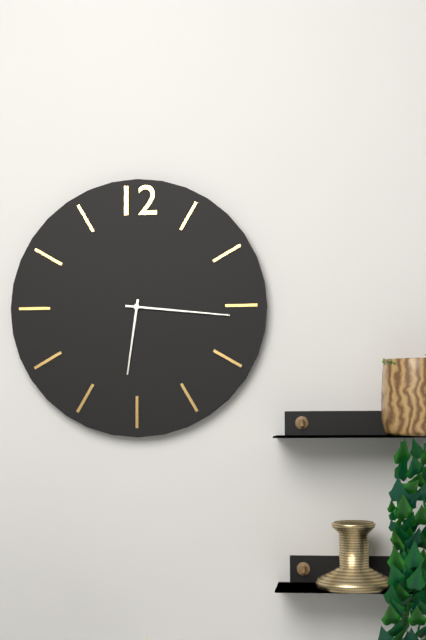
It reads 6h16
